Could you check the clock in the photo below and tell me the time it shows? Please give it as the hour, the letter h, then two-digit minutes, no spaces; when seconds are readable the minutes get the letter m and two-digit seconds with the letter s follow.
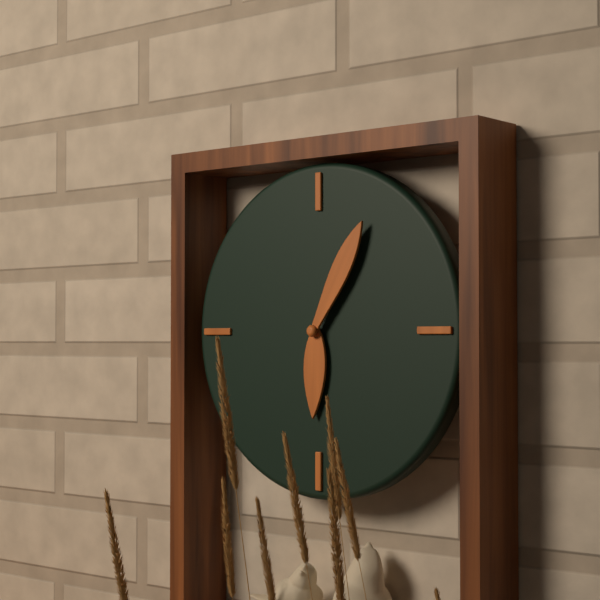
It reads 6h05
